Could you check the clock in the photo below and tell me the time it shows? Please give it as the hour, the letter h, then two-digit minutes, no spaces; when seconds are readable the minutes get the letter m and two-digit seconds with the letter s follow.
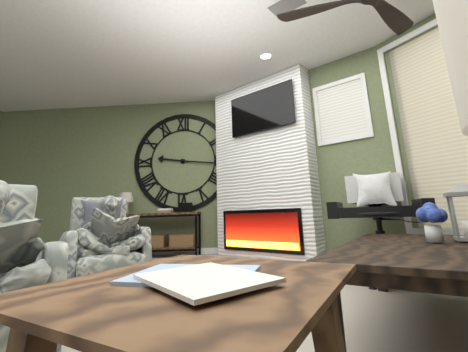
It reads 9h16
